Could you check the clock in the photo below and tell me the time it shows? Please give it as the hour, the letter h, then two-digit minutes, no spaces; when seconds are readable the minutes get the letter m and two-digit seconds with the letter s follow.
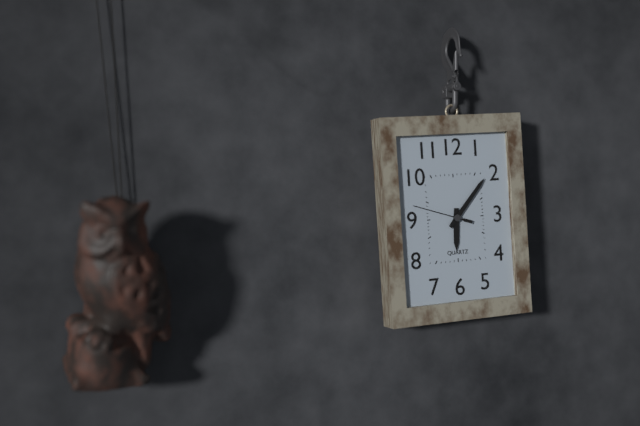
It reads 6h07m48s
